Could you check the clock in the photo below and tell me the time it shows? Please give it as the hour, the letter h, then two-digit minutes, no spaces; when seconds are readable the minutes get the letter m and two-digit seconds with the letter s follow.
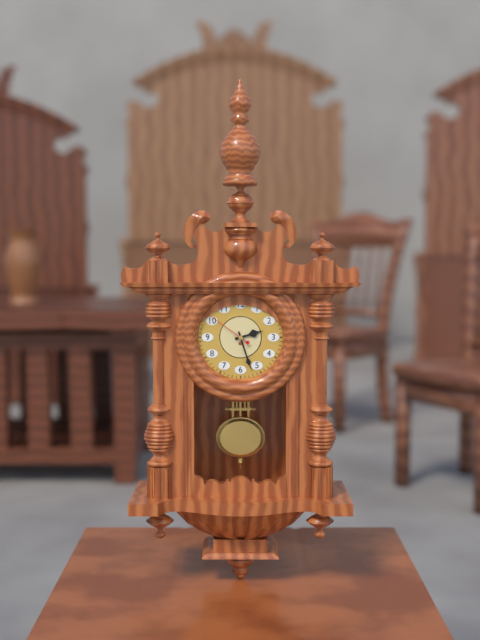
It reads 2h27
